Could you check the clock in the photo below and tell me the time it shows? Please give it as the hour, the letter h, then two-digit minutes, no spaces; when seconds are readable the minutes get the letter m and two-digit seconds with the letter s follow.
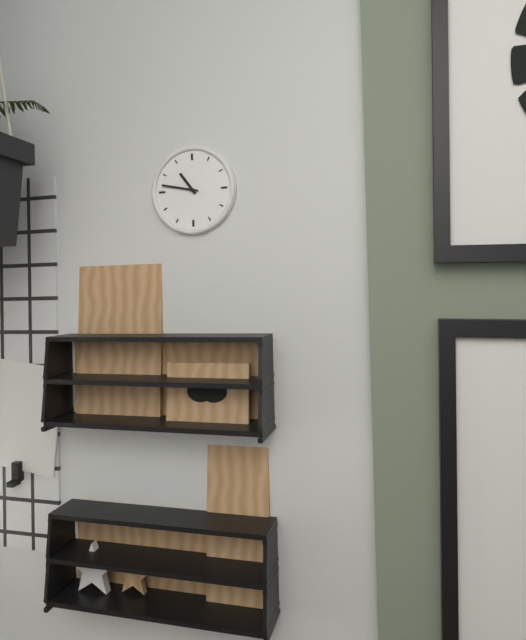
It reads 10h47
